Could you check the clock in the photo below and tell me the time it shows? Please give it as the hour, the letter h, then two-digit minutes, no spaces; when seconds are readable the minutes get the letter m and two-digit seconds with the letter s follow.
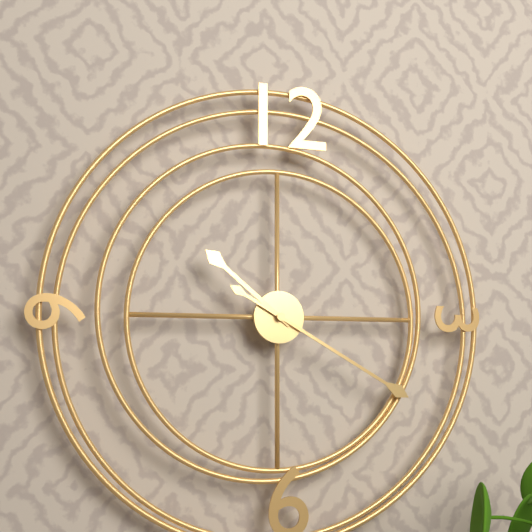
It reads 10h20
